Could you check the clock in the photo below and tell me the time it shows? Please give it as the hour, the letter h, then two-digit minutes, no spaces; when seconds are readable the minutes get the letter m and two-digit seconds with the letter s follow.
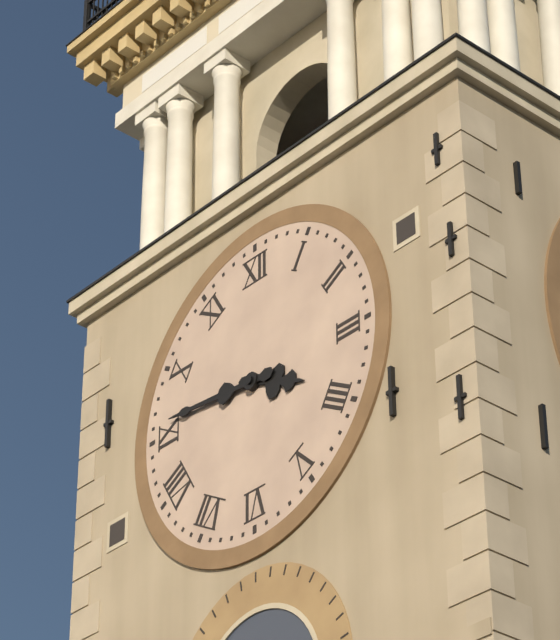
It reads 3h46
